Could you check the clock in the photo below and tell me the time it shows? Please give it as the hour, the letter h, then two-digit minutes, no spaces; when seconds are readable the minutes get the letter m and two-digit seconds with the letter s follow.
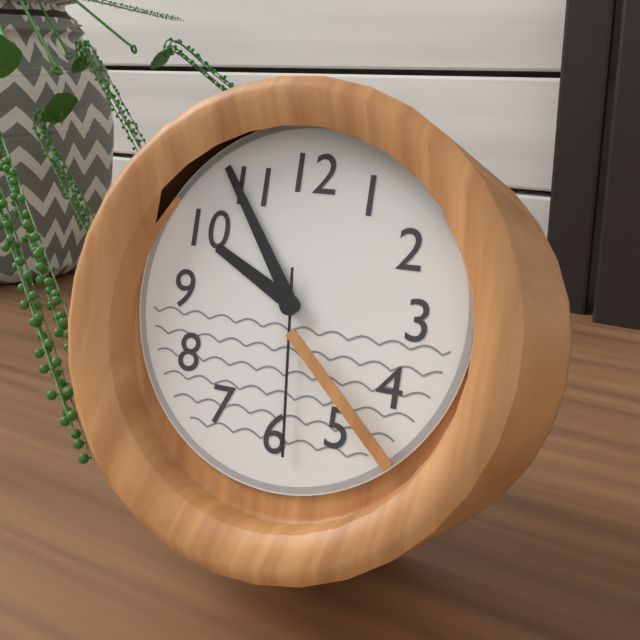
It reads 9h54m29s
